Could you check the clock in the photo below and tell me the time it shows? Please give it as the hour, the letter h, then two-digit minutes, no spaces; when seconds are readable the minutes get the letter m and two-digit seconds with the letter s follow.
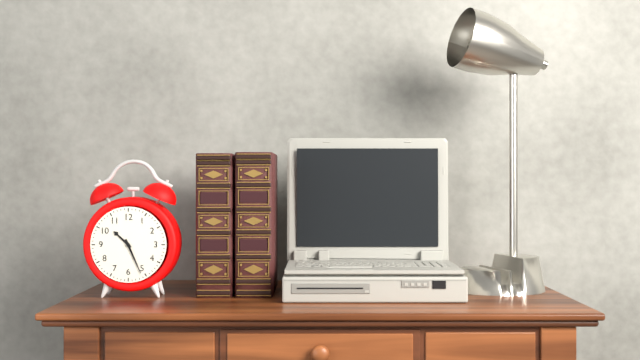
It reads 10h26
